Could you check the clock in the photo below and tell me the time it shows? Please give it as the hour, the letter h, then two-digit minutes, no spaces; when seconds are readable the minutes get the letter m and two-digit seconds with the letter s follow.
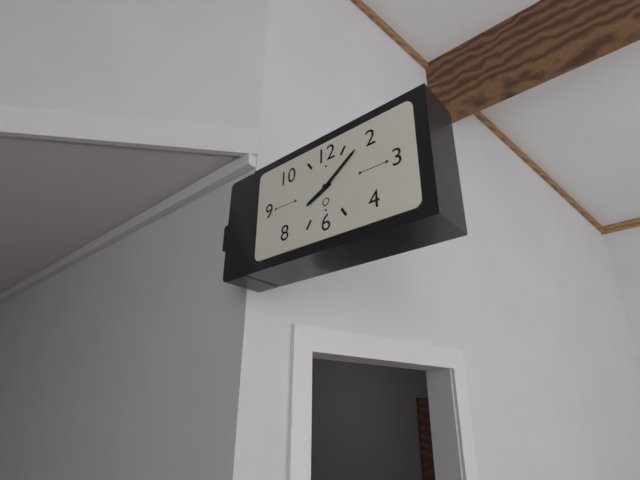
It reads 8h09
